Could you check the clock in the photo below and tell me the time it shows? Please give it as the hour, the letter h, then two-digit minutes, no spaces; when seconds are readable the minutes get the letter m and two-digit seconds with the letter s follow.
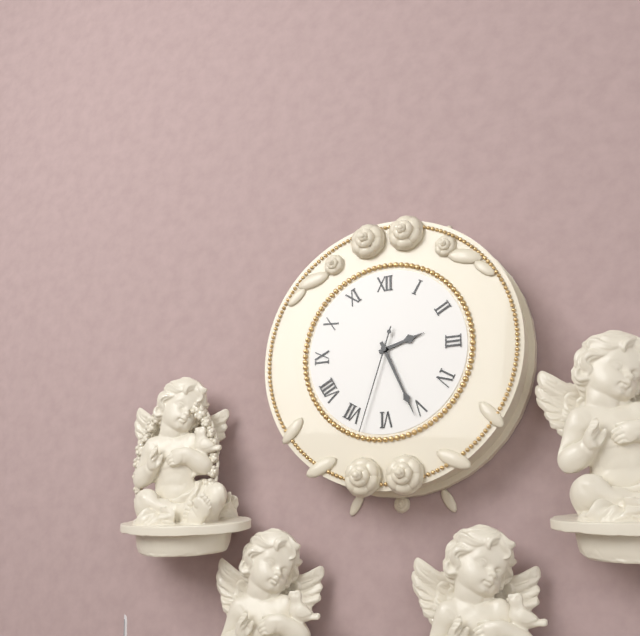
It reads 2h26m33s
